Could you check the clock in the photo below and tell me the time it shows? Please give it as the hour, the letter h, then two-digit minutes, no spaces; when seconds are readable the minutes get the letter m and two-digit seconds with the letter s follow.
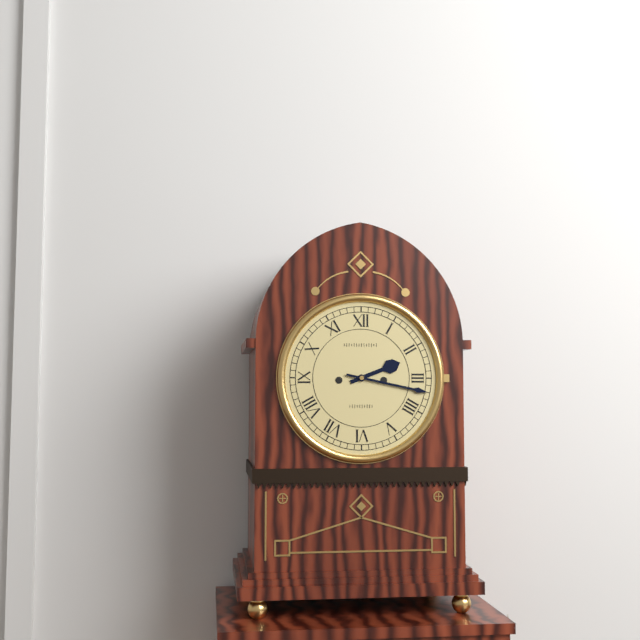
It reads 2h17
